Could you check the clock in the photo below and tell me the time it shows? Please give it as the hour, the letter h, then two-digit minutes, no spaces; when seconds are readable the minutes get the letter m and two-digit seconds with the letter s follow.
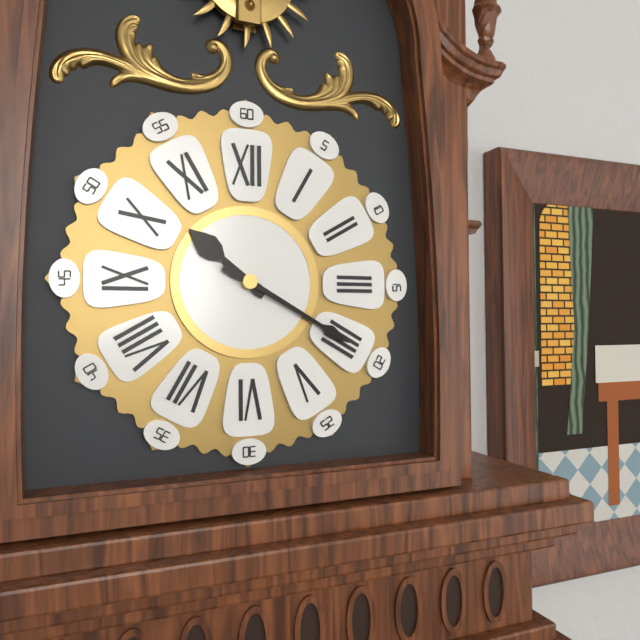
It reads 10h20
